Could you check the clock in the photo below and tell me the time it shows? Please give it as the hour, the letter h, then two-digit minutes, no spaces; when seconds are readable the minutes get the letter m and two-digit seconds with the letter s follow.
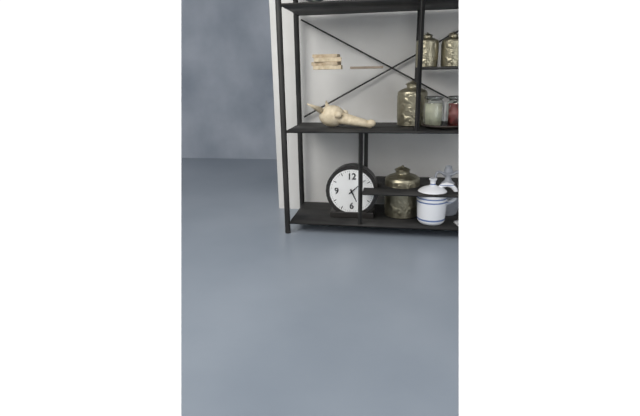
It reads 5h08
